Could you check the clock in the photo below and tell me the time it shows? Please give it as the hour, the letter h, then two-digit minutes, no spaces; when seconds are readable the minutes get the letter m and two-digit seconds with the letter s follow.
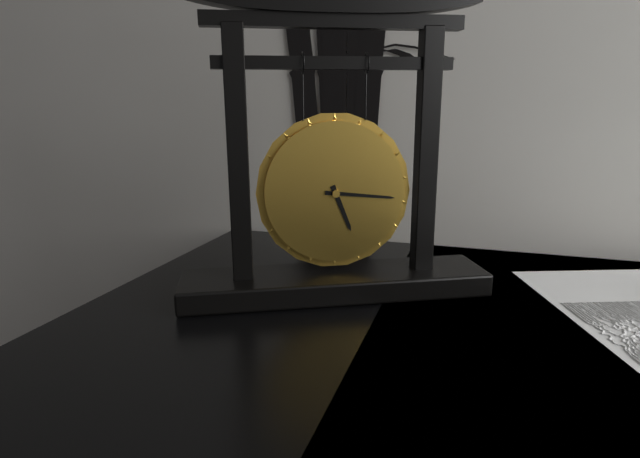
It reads 5h16
